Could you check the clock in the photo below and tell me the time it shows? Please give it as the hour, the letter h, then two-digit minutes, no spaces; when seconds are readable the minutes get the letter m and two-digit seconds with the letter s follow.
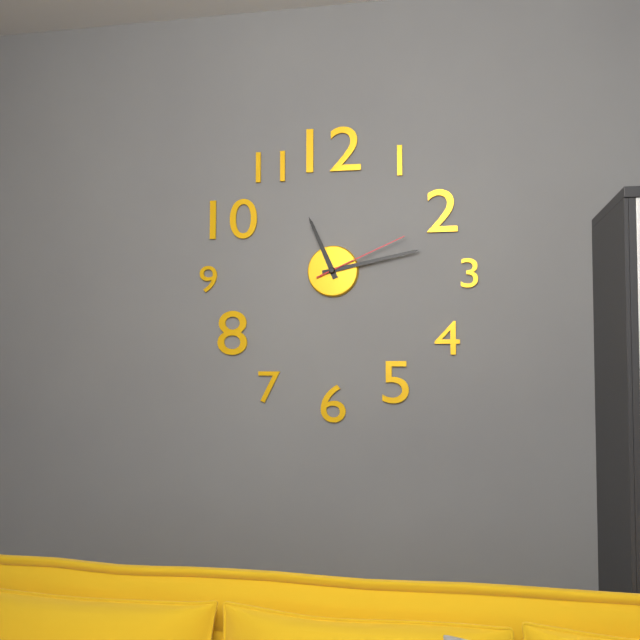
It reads 11h13m11s
